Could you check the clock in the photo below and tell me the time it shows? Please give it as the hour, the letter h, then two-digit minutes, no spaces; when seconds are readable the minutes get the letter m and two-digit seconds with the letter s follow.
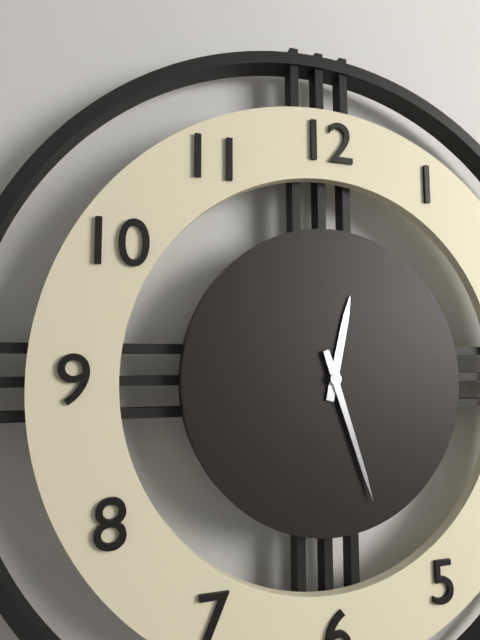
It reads 12h27
